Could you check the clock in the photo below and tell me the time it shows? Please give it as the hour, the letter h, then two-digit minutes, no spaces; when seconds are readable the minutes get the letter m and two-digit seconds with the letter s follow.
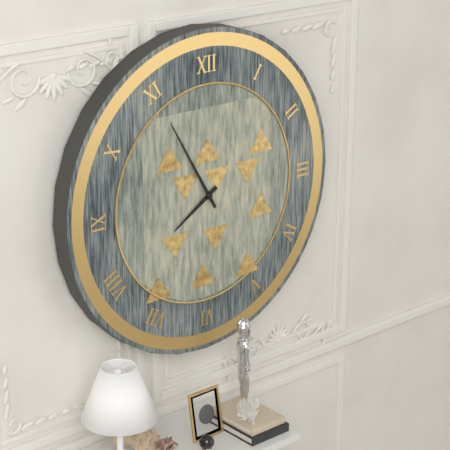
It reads 7h55
